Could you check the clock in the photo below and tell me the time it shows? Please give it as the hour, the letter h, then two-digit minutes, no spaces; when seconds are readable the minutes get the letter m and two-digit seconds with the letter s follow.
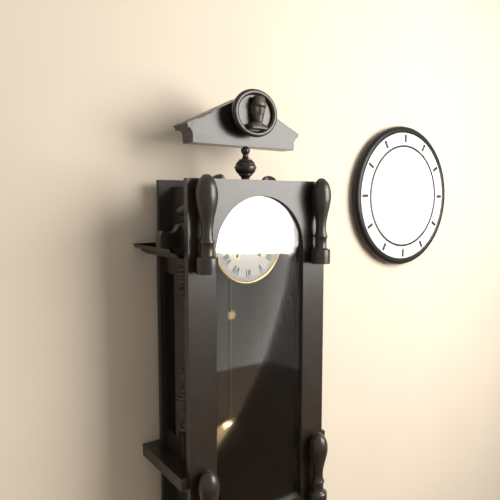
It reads 2h57
